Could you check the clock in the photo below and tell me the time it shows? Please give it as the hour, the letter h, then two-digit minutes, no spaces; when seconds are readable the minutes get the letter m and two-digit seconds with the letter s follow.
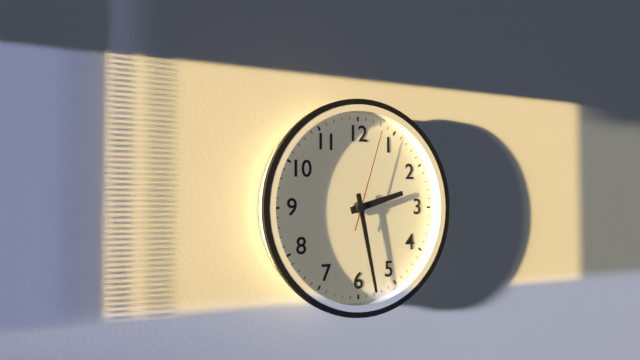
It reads 2h28m03s
